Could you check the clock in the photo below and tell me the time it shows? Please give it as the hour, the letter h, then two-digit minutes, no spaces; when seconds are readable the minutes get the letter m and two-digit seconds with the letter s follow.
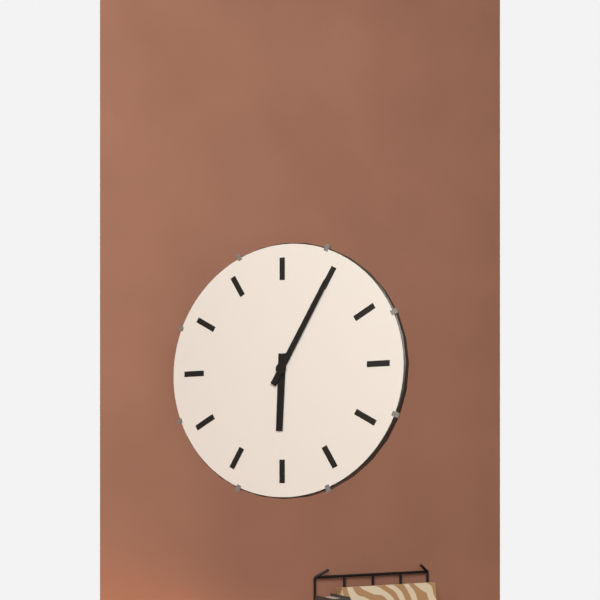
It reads 6h05
